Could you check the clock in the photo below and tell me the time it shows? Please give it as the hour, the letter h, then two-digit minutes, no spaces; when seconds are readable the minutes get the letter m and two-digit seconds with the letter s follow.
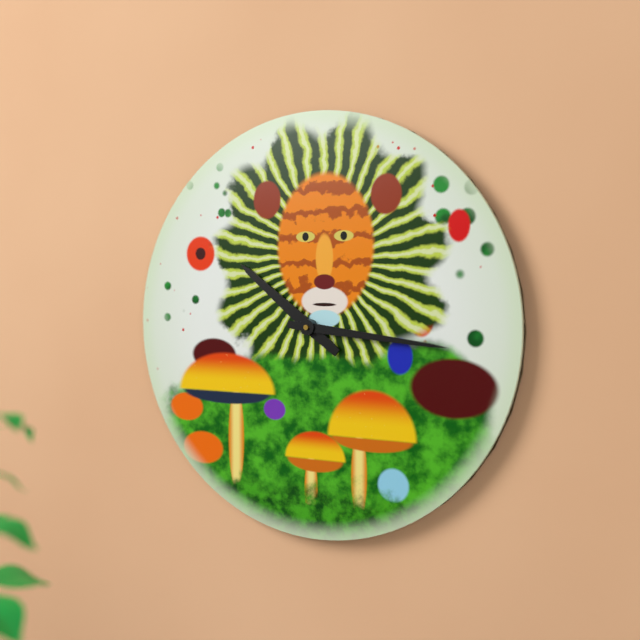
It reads 10h16
